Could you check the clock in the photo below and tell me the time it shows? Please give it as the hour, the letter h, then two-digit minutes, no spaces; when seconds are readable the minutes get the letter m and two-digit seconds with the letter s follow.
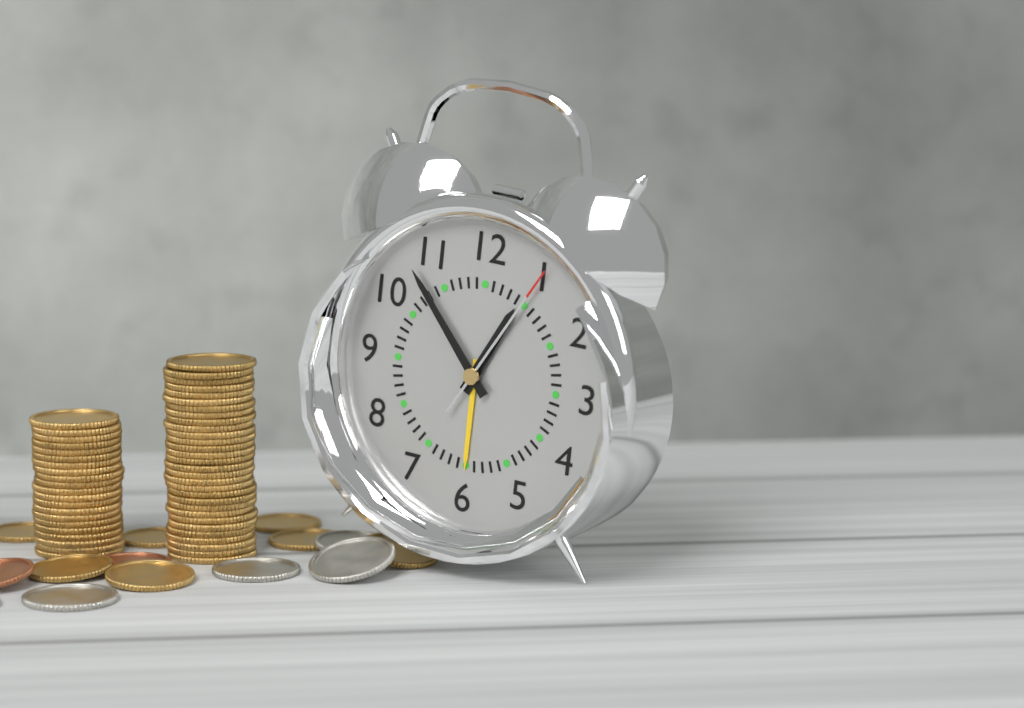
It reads 12h53m05s
